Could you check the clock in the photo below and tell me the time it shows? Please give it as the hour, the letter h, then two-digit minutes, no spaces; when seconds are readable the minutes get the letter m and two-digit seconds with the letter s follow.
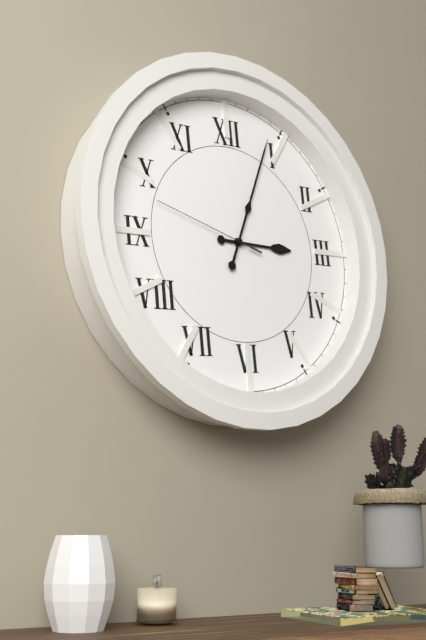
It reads 3h04m48s
